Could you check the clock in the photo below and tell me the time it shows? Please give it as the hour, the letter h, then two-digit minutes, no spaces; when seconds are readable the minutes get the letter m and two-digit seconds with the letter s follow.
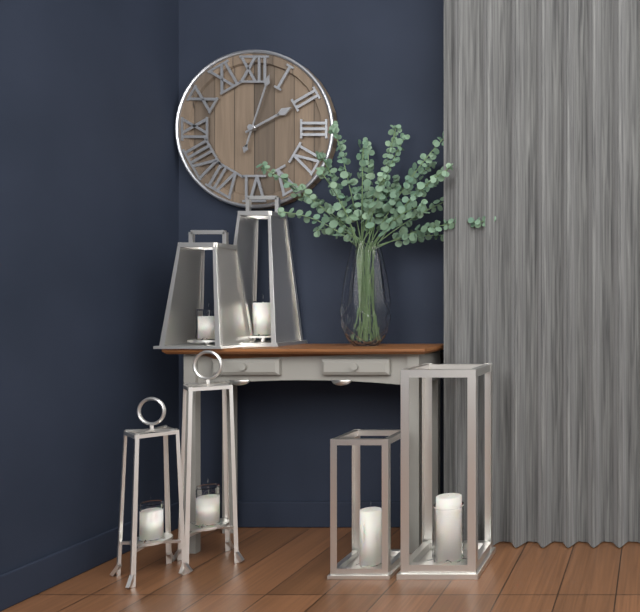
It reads 2h03
